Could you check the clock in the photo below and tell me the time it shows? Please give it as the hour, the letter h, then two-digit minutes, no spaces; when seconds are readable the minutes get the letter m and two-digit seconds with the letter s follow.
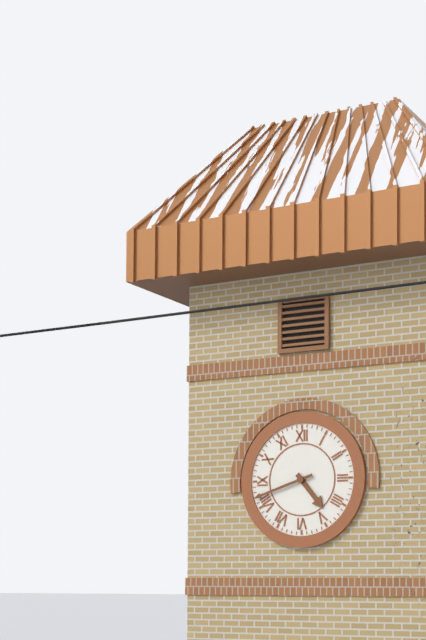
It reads 4h42
